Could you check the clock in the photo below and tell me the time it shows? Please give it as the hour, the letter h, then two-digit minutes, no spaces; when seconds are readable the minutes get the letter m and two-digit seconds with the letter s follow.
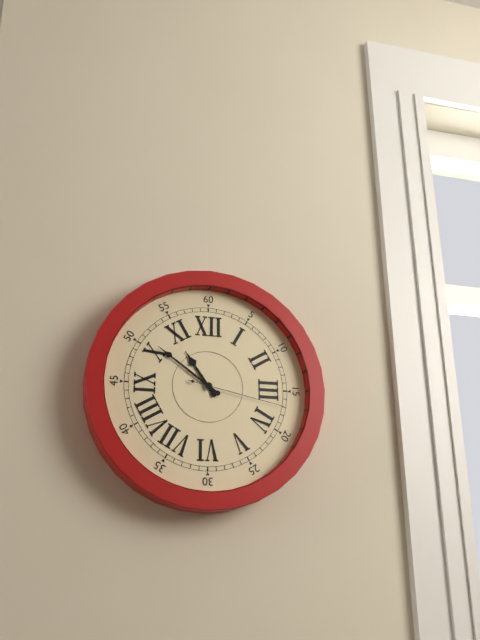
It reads 10h51m17s
